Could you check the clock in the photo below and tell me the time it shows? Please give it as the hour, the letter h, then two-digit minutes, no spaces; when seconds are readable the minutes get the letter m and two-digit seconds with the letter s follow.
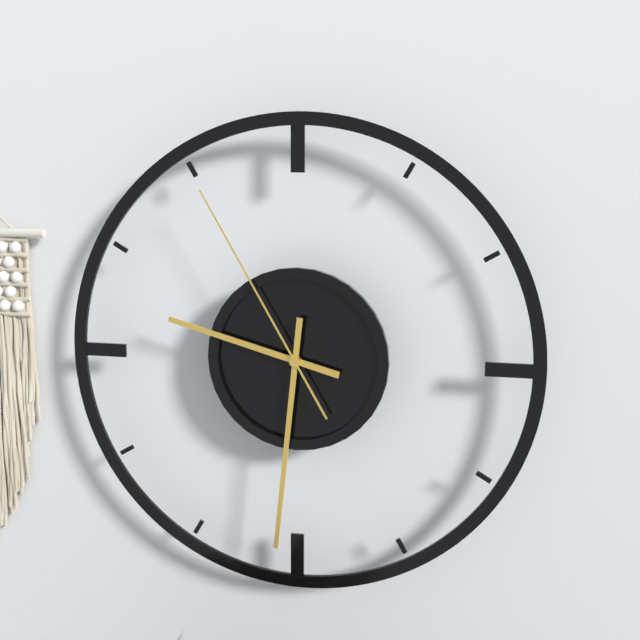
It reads 9h31m55s
